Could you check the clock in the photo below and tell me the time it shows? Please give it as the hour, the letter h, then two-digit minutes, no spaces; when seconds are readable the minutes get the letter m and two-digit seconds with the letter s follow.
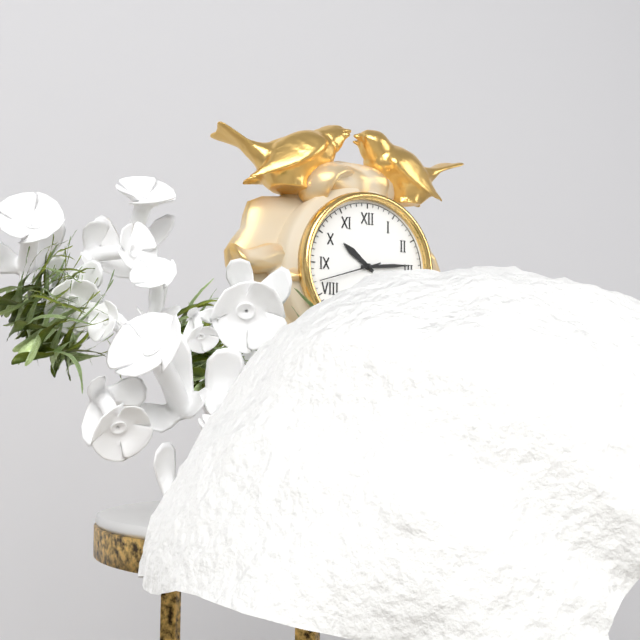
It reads 10h14m42s
